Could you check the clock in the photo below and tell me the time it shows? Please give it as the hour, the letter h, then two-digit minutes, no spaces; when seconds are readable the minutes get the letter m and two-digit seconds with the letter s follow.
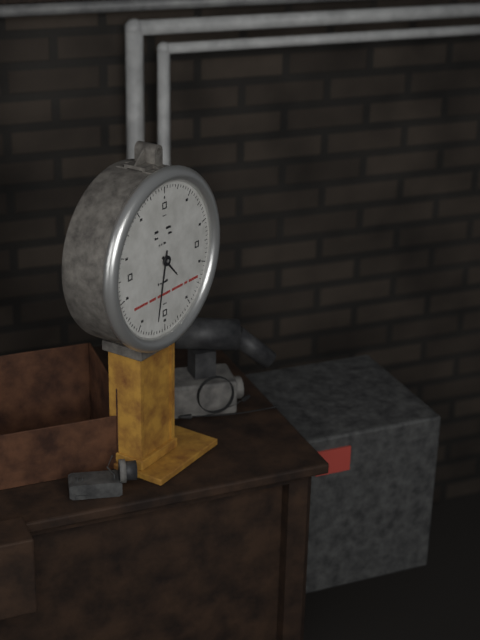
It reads 4h32
